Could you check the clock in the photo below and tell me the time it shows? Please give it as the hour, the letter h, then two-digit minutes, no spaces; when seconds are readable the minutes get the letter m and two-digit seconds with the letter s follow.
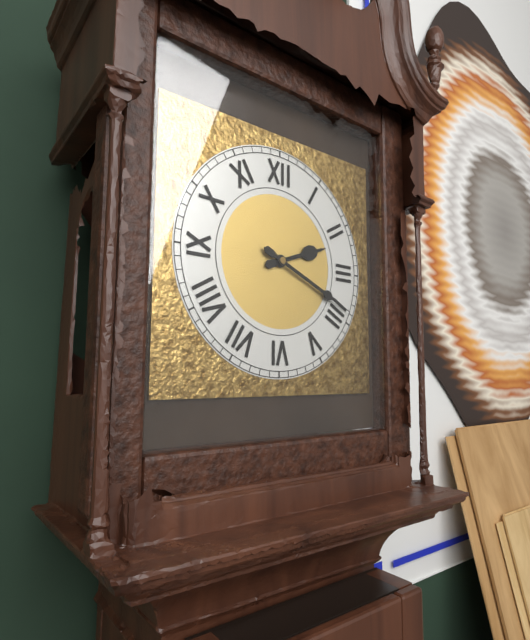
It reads 2h19
